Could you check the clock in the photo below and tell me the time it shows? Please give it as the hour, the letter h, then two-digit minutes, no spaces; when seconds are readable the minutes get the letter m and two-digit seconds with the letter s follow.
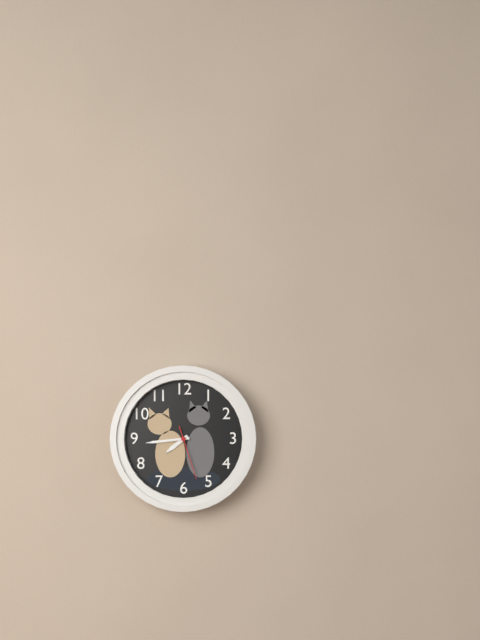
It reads 7h44m27s
